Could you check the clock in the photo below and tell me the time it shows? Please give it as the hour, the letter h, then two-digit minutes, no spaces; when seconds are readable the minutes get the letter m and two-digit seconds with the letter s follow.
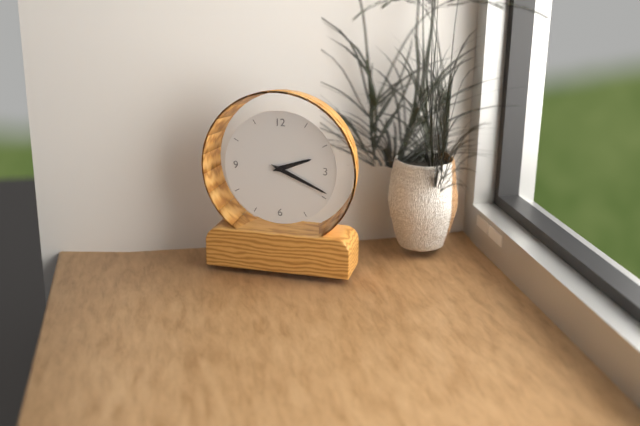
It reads 2h19
